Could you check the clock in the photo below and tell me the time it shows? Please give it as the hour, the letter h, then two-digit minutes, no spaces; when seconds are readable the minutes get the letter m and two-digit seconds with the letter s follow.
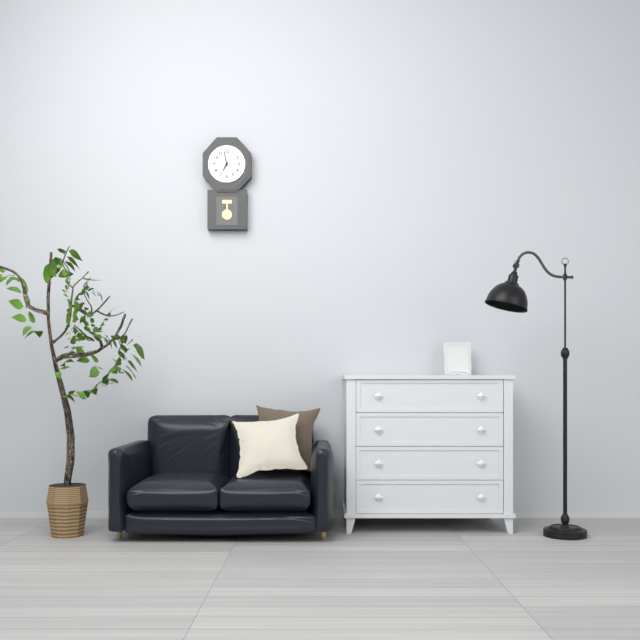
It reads 6h58
